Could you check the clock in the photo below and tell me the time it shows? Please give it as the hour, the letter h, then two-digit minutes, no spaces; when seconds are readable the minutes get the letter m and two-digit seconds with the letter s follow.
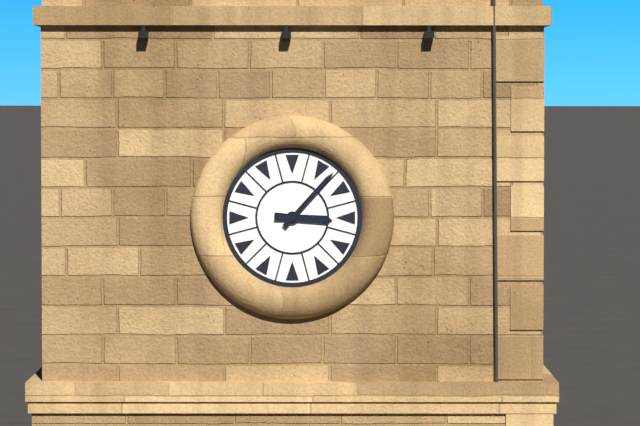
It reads 3h07
